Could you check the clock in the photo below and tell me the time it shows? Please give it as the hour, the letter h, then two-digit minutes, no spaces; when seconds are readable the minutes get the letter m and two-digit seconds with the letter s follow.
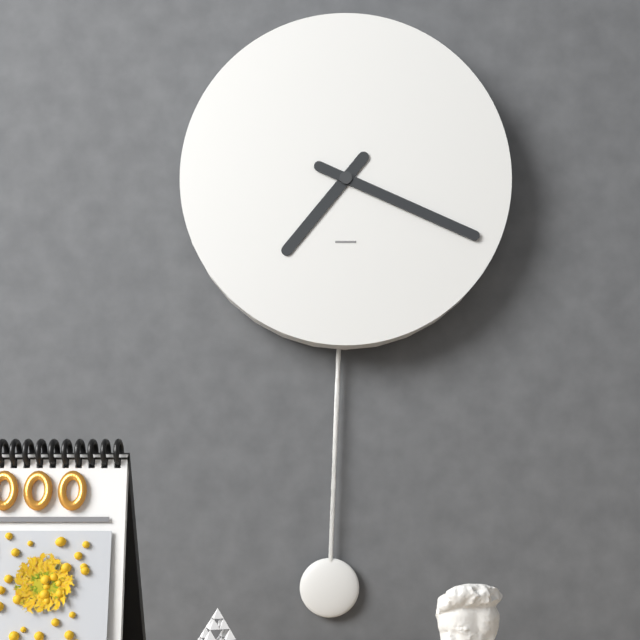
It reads 7h19
